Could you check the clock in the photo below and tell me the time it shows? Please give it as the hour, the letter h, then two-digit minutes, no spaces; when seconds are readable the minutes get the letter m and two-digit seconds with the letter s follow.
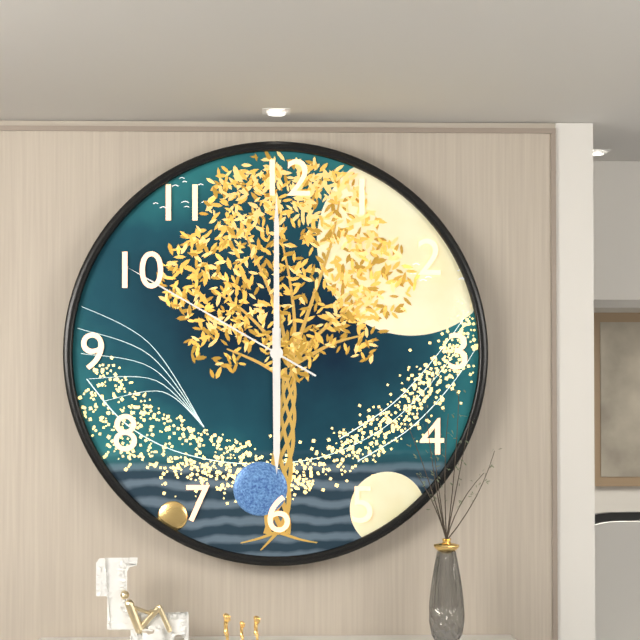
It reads 6h00m50s
